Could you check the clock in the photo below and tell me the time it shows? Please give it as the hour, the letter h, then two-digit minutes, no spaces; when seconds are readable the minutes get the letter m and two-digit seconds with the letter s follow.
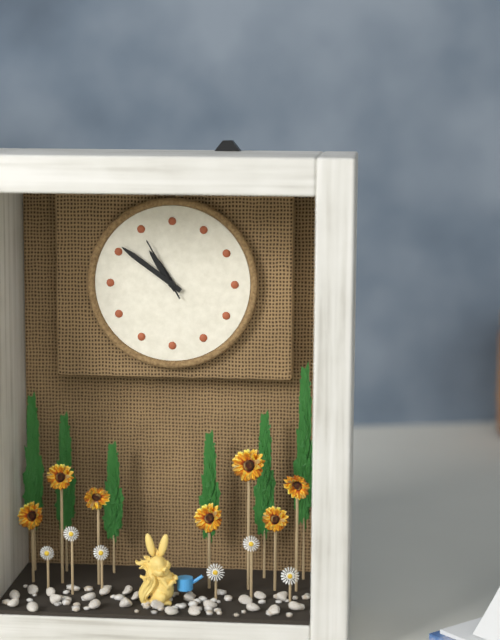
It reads 10h51m55s
